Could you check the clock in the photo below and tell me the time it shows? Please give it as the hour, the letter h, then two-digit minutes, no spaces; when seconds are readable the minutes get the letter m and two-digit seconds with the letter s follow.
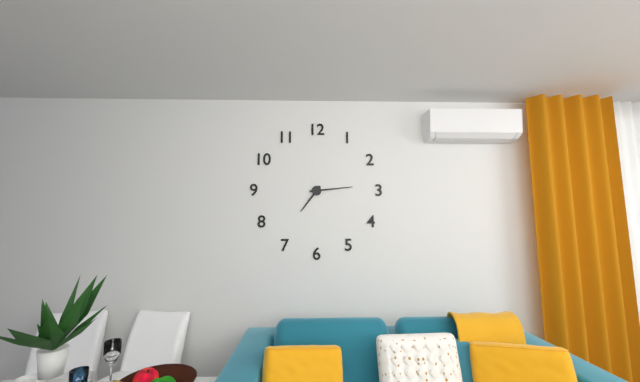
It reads 7h14
